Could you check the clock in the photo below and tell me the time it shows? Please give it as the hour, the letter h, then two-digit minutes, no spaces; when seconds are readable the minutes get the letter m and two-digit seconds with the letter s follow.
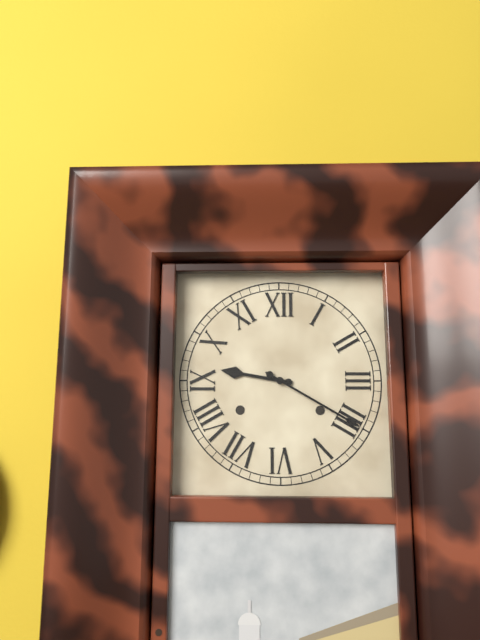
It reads 9h20
